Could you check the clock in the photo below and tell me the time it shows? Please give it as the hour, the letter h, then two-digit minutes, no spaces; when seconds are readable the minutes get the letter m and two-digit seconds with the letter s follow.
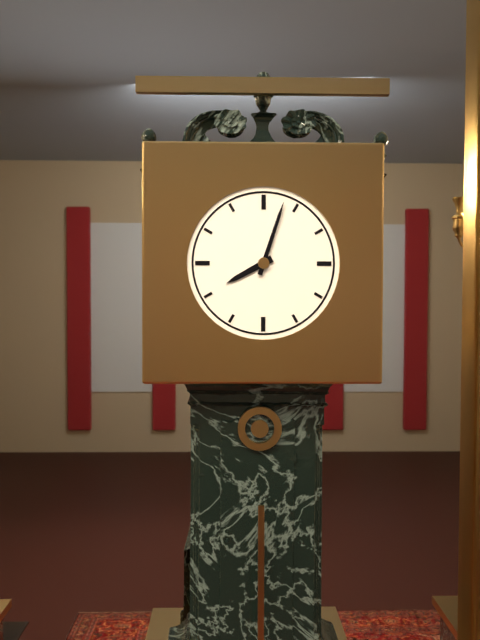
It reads 8h03
